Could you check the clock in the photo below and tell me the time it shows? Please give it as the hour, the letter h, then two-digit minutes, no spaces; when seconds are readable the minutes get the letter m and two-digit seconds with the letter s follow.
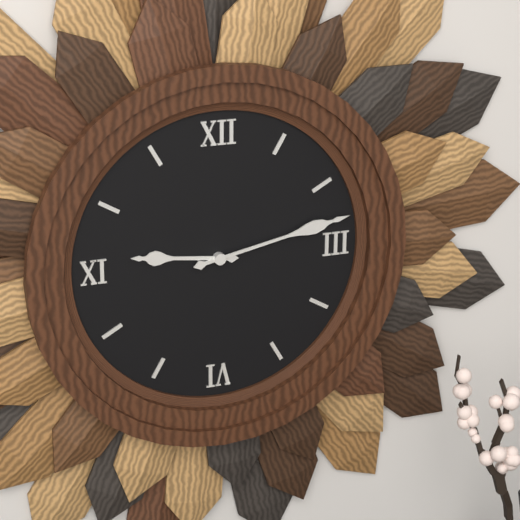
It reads 9h13
